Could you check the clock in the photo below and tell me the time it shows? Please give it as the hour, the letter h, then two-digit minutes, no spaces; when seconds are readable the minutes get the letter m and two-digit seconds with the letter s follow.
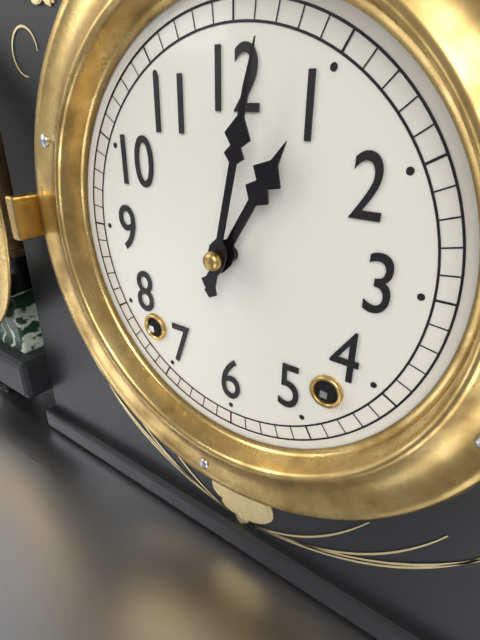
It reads 1h02
